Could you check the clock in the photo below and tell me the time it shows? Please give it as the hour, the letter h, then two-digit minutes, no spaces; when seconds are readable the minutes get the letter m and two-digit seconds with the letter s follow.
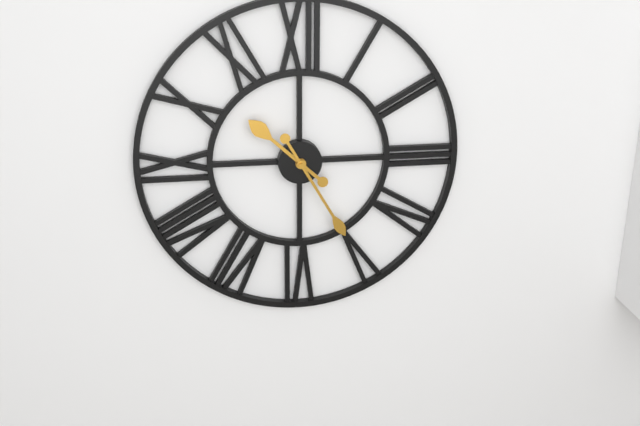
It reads 10h25
